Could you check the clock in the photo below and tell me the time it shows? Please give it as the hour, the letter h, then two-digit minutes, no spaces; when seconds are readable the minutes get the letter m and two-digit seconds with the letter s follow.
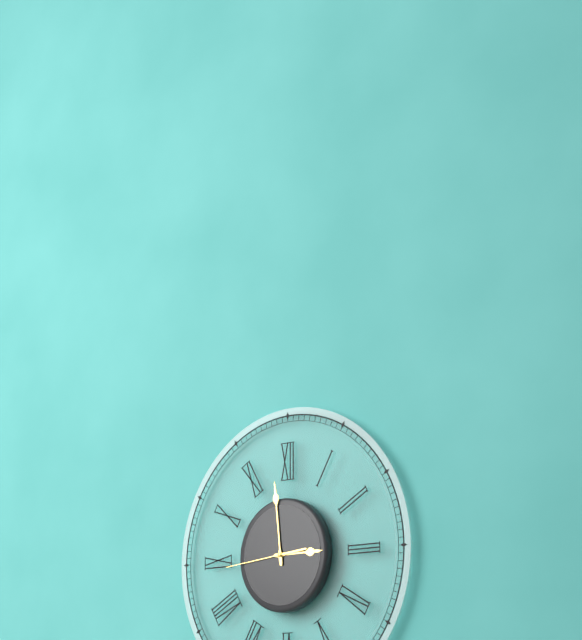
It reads 2h59m44s
